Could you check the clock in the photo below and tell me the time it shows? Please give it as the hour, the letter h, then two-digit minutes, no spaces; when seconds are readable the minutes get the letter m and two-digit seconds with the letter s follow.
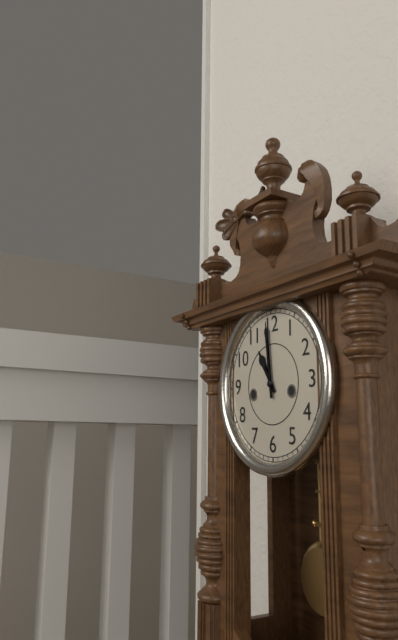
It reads 10h59
